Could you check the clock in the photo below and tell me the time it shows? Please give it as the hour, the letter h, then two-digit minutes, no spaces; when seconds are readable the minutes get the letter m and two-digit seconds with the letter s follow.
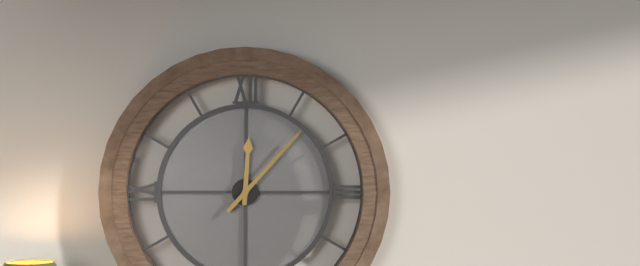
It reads 12h07
